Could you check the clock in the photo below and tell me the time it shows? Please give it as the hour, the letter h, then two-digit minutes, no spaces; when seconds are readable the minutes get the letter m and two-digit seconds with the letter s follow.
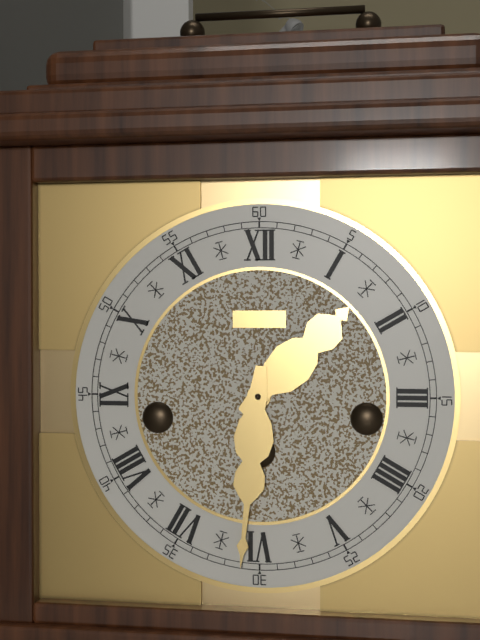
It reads 1h31
